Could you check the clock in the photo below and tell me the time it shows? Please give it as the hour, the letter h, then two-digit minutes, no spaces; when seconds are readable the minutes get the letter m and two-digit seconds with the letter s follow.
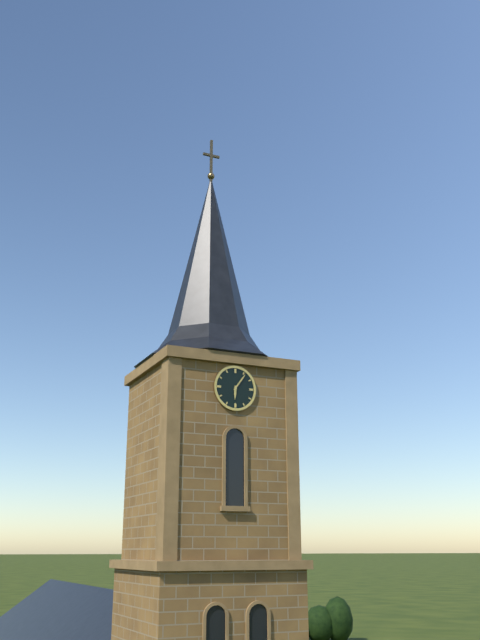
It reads 6h06
